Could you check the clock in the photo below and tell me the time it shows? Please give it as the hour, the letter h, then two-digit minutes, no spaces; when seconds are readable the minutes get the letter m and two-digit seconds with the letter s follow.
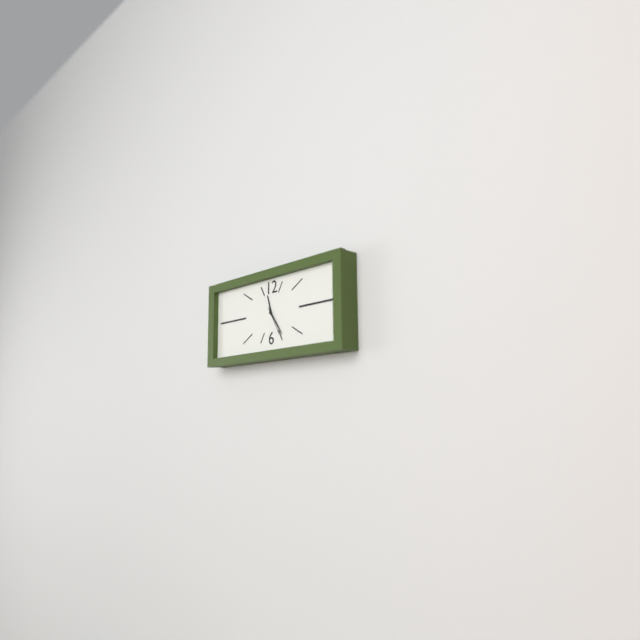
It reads 11h24
